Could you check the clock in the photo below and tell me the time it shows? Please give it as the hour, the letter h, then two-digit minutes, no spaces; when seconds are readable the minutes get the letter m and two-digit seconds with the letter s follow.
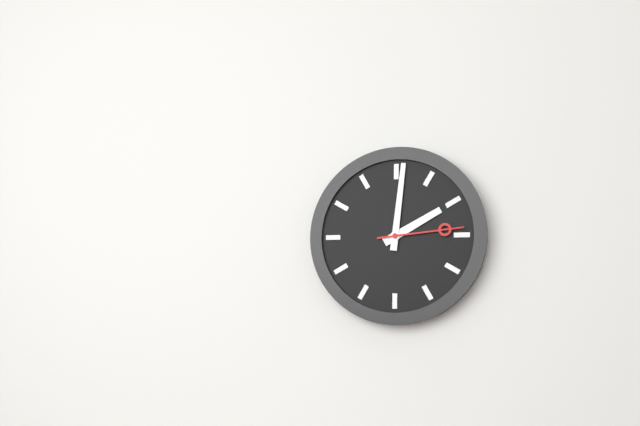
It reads 2h01m14s
